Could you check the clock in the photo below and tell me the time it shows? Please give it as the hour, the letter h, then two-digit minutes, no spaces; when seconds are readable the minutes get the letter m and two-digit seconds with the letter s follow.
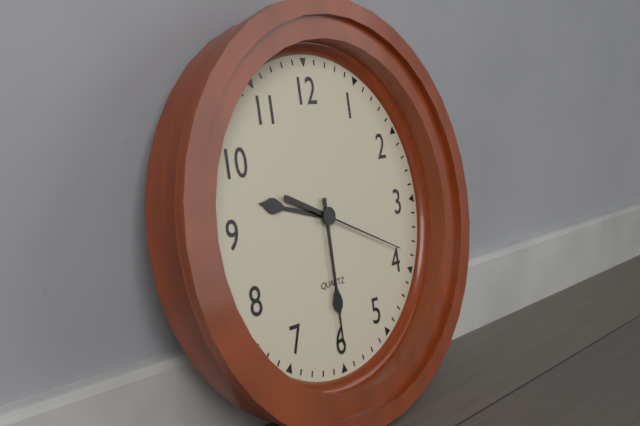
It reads 9h30m19s
